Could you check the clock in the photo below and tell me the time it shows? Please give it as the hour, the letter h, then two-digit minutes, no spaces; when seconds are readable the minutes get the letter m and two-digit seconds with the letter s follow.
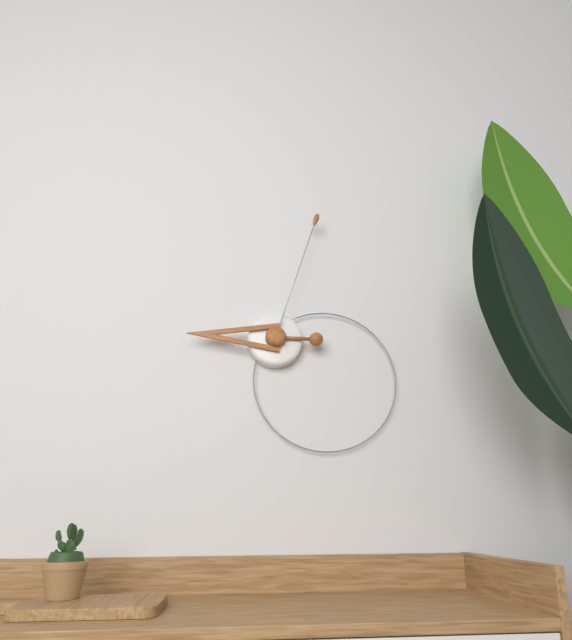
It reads 9h03
